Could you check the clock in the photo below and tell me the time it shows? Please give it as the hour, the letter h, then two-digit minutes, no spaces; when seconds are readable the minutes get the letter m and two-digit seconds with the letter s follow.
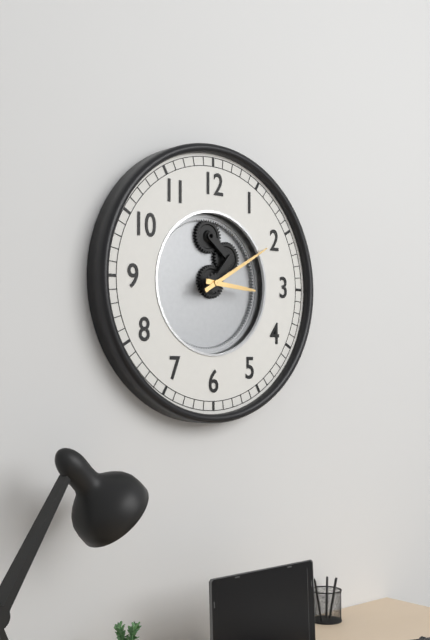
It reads 3h10
